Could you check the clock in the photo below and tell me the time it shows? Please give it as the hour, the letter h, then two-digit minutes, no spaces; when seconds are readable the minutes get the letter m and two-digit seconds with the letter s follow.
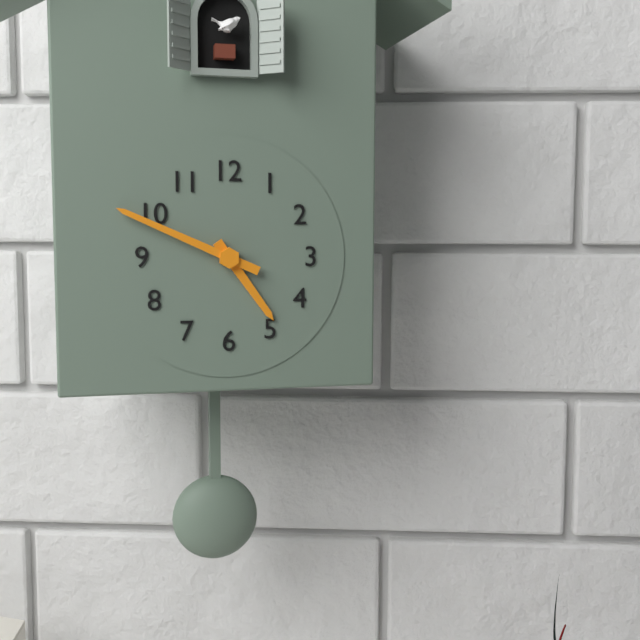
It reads 4h49
